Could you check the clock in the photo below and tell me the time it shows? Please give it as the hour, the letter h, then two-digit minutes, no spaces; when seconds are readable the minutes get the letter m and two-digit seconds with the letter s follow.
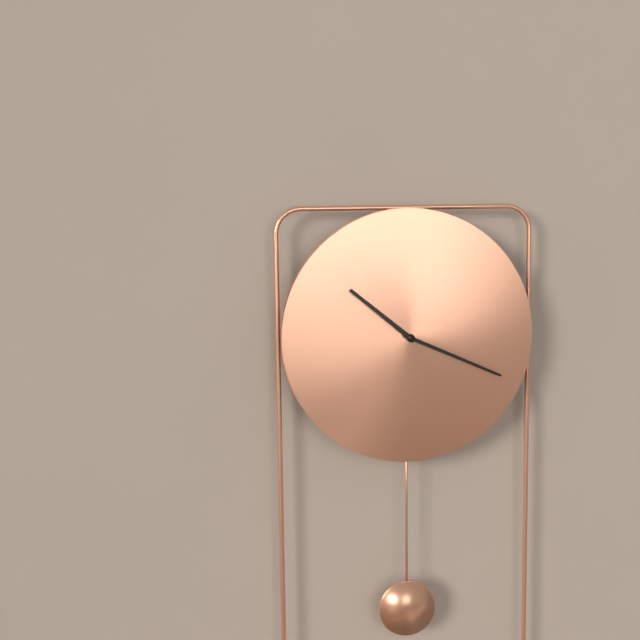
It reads 10h19
